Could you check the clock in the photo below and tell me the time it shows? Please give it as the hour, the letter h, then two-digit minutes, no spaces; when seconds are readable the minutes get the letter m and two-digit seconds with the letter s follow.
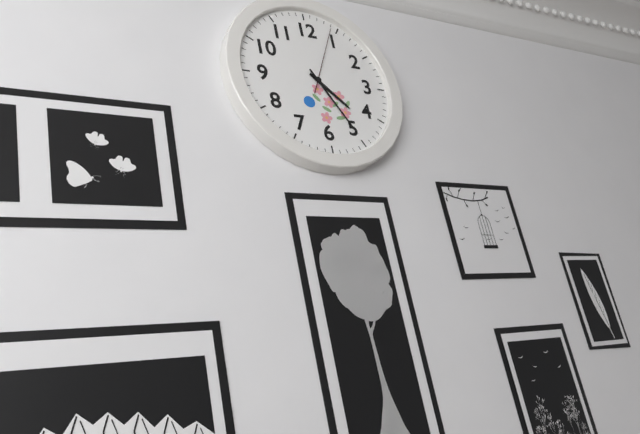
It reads 4h25m04s
